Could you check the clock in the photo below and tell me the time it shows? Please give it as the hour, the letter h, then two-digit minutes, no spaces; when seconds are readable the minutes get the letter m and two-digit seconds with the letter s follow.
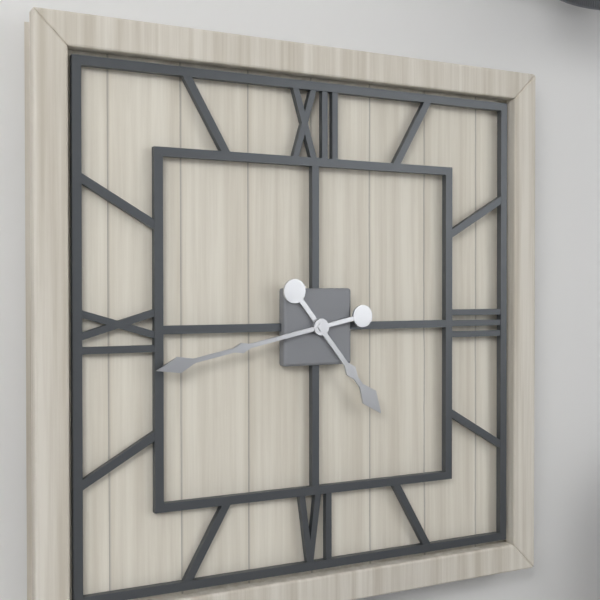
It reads 4h43
